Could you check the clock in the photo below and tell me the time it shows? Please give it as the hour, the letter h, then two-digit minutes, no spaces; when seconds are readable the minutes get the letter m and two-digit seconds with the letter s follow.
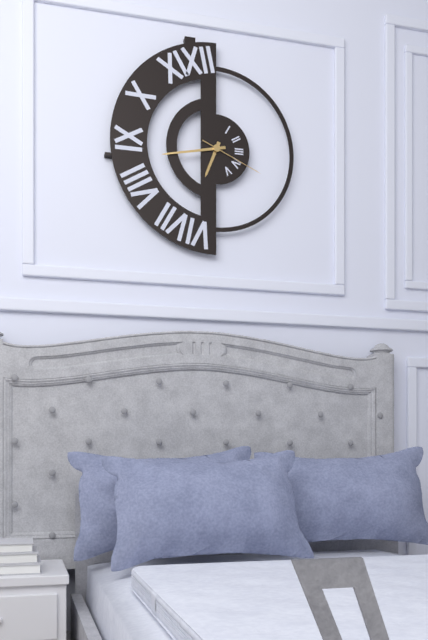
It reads 6h43m19s
